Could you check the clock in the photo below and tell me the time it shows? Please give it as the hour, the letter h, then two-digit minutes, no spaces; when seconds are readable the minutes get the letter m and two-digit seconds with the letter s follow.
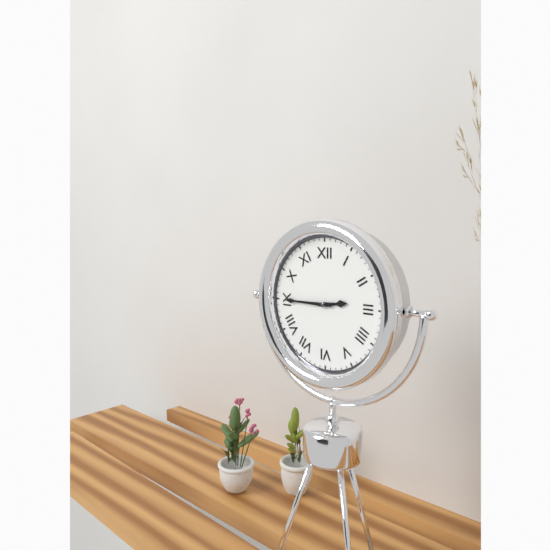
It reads 2h45
